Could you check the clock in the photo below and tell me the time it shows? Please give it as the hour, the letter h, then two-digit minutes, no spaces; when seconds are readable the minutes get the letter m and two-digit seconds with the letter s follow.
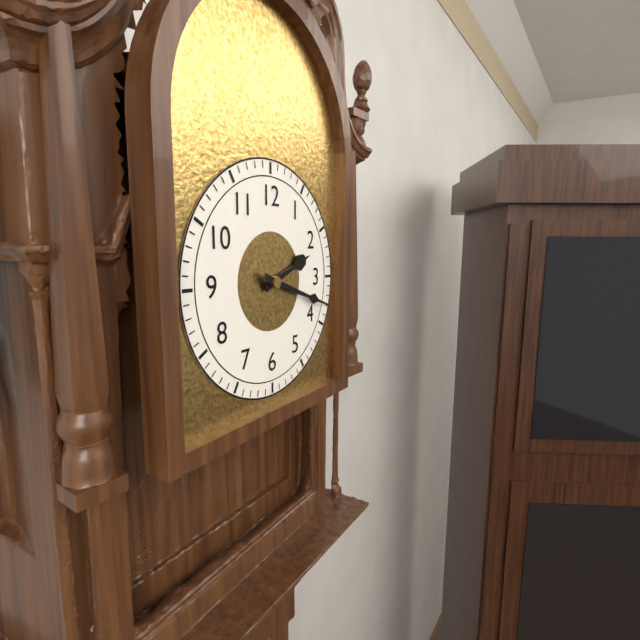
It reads 2h18
